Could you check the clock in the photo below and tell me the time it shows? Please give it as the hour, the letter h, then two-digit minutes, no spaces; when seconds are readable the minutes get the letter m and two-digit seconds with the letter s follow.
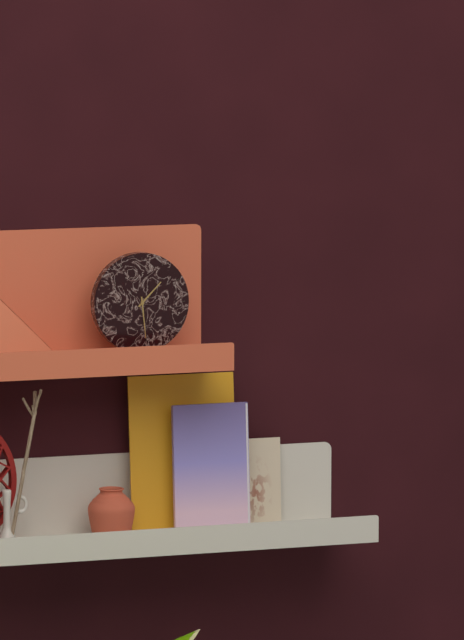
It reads 1h29
